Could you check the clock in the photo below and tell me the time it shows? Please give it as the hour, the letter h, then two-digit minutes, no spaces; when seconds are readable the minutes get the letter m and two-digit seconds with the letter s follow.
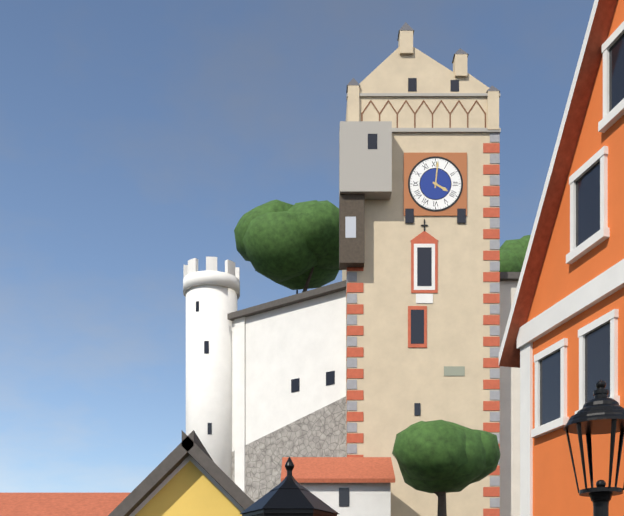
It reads 4h01
